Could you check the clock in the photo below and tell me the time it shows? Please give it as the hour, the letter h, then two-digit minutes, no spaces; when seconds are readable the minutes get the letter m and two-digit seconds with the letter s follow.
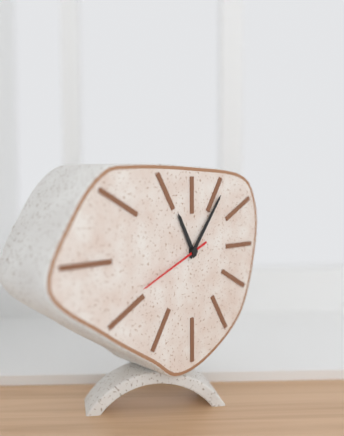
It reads 11h06m41s
